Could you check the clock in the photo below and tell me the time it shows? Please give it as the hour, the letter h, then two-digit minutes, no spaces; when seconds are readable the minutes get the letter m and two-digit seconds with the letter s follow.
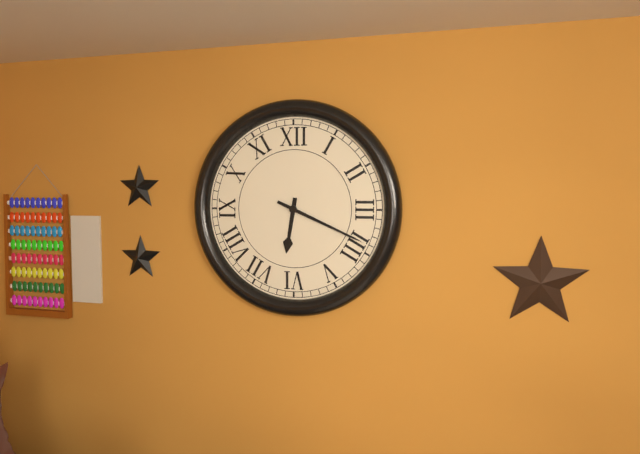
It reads 6h19
